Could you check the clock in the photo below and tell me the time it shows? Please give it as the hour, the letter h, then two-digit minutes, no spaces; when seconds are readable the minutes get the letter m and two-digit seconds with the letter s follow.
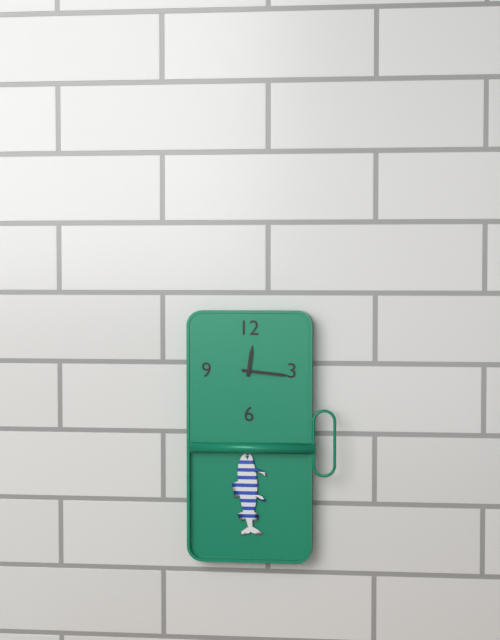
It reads 12h16
